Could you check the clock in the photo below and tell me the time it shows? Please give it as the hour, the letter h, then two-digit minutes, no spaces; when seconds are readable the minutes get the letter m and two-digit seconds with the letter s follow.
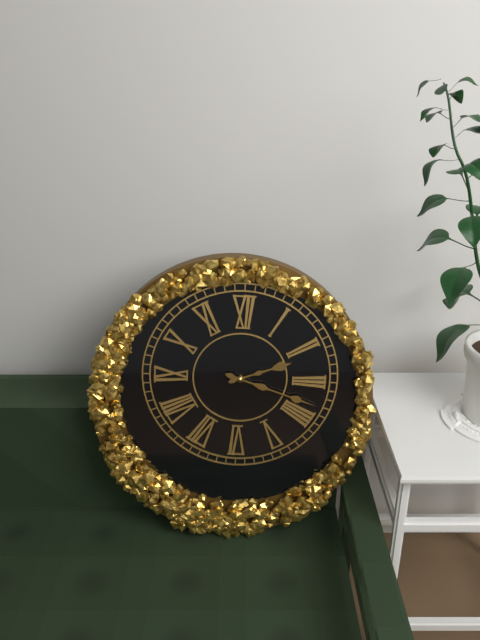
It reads 2h18
